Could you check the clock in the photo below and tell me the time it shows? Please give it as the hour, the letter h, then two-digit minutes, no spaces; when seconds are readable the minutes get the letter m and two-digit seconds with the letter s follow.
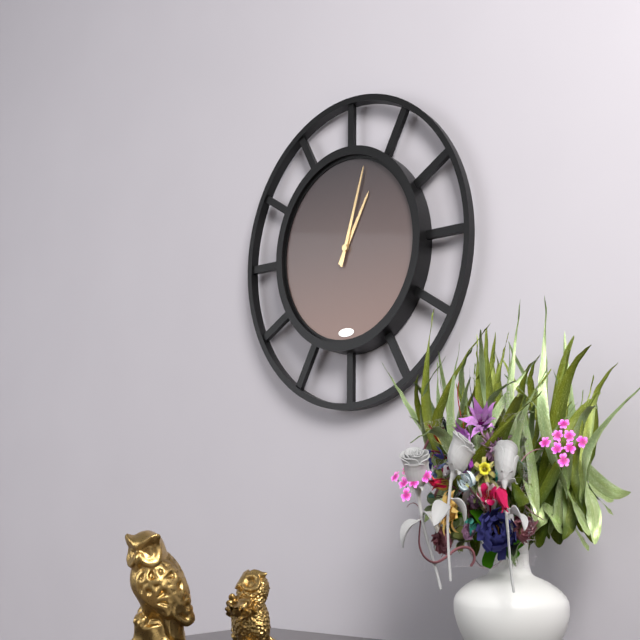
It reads 1h03
